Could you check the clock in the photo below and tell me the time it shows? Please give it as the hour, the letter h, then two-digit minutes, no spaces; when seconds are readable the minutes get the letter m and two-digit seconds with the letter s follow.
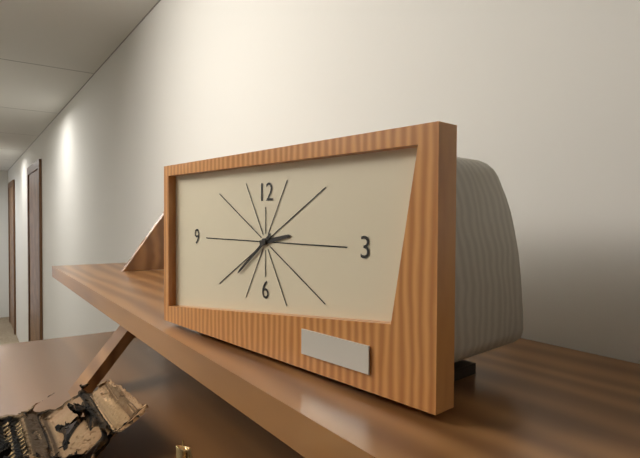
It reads 2h39
